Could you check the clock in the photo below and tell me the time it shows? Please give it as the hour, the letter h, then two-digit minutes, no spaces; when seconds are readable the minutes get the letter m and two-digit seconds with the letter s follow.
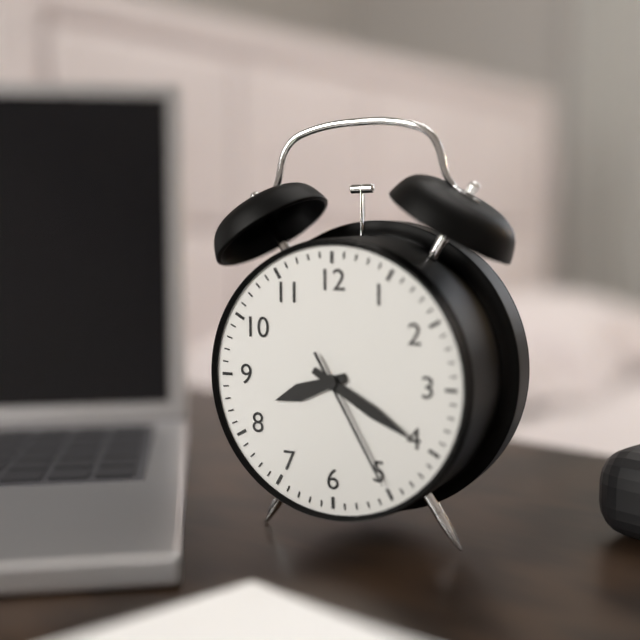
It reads 8h20m25s
